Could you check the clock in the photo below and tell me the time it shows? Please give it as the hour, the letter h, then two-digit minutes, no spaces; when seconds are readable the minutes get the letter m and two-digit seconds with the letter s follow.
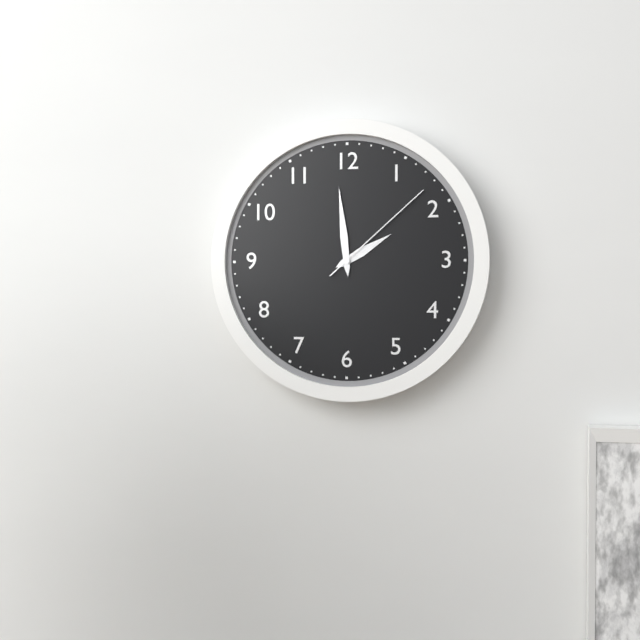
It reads 1h59m08s
